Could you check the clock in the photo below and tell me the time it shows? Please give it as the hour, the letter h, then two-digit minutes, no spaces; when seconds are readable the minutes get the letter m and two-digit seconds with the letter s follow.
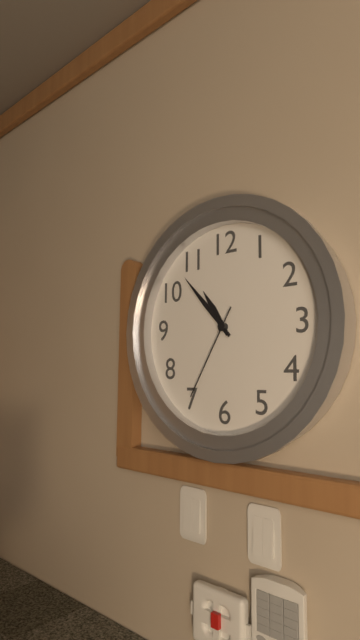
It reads 10h53m35s
